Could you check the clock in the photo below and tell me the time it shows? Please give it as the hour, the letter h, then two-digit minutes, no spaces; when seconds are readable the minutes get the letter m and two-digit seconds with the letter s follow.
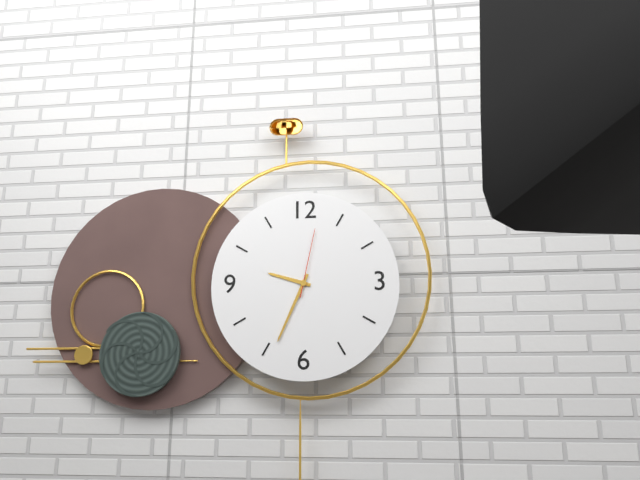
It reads 9h34m02s
